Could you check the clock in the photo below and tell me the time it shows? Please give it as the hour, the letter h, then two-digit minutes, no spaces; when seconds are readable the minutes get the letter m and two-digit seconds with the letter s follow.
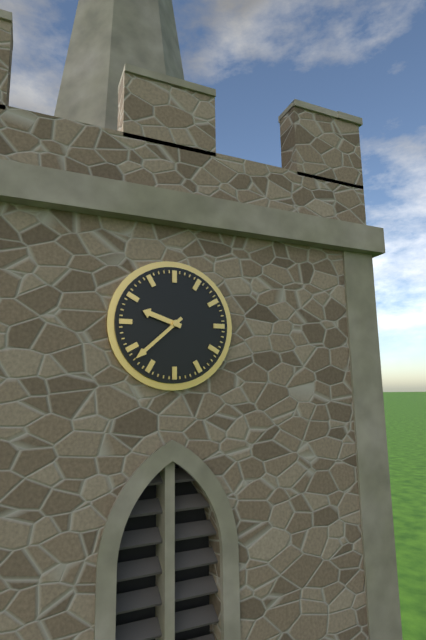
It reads 9h38
